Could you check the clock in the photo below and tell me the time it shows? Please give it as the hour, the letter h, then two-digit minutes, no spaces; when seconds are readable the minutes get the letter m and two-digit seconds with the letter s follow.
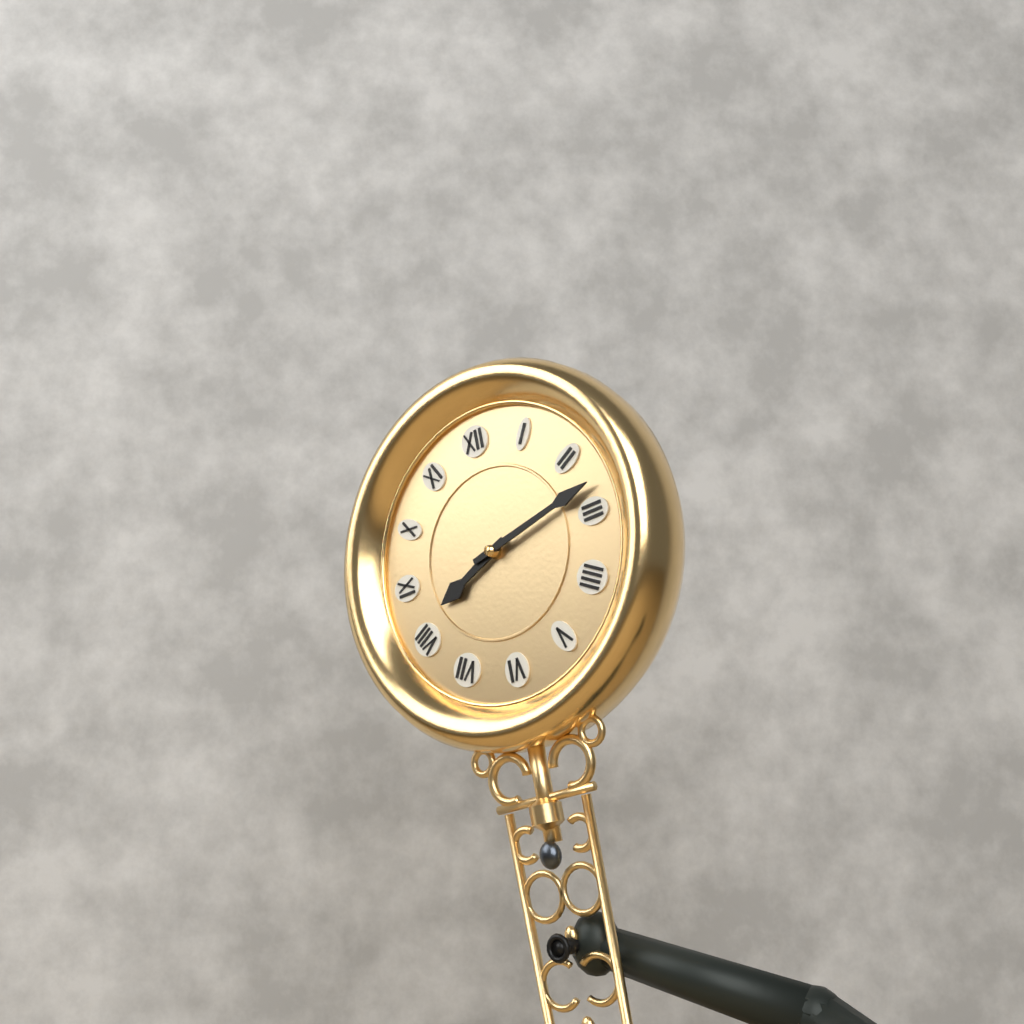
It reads 8h13
